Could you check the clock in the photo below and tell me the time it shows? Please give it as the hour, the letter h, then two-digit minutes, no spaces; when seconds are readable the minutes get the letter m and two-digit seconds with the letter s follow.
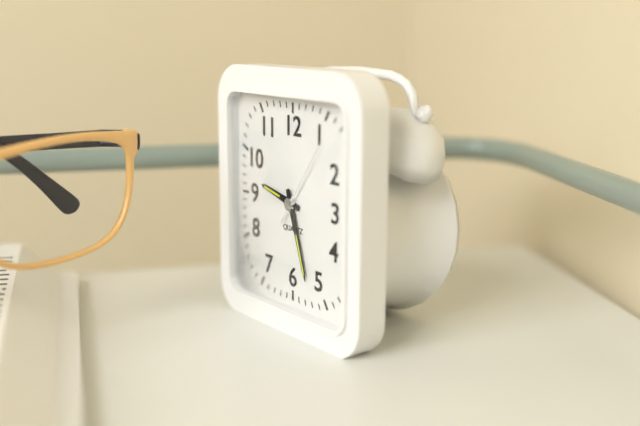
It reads 9h27m06s
